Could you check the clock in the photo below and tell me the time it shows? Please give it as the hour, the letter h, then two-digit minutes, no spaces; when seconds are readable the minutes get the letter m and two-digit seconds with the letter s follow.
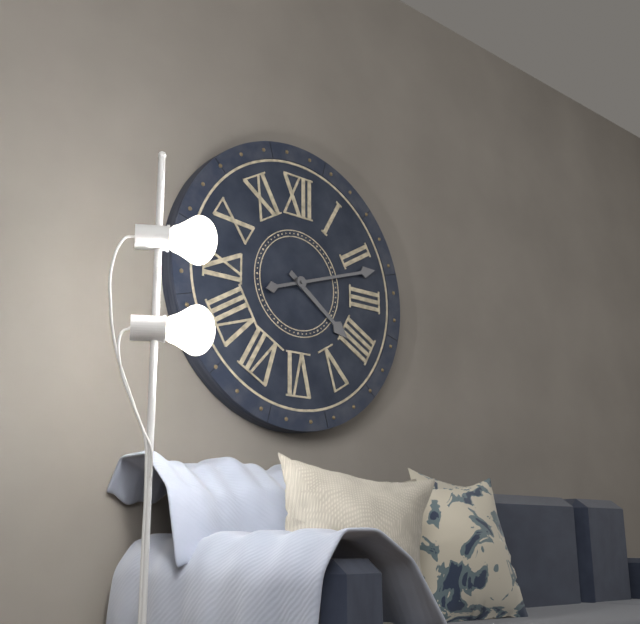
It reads 4h12
